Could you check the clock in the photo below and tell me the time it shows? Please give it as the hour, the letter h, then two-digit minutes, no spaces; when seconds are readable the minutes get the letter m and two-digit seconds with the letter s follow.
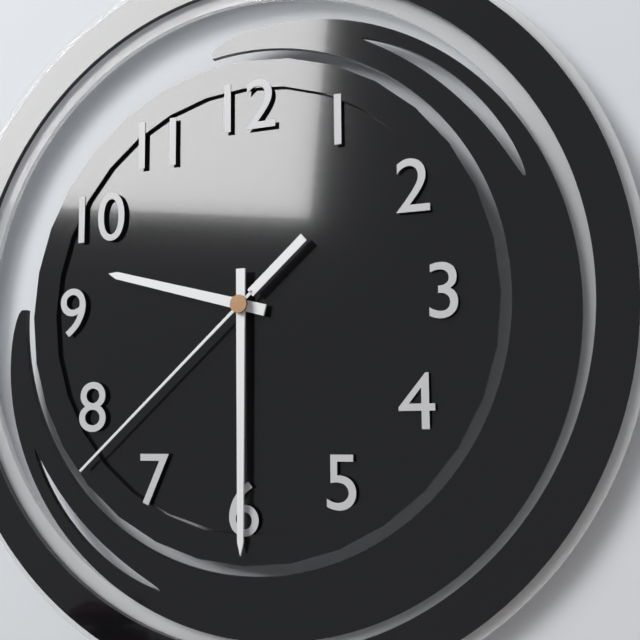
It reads 9h30m38s
